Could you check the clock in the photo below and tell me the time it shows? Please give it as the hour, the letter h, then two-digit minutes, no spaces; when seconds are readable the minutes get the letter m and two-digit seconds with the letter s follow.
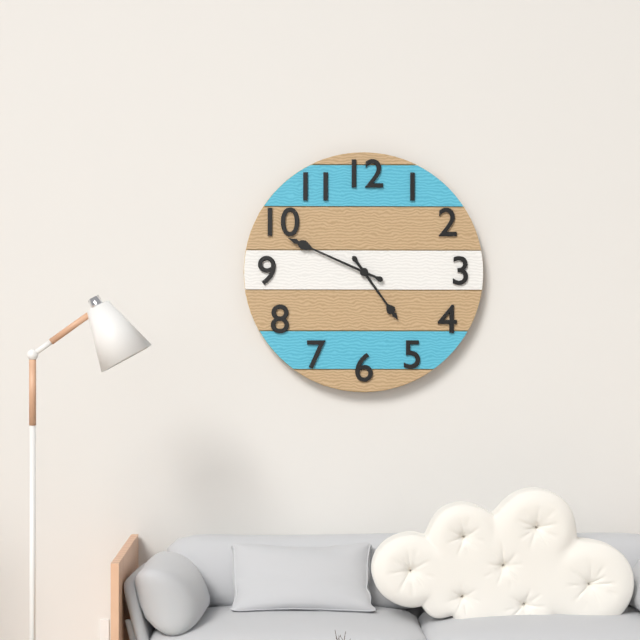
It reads 4h49
